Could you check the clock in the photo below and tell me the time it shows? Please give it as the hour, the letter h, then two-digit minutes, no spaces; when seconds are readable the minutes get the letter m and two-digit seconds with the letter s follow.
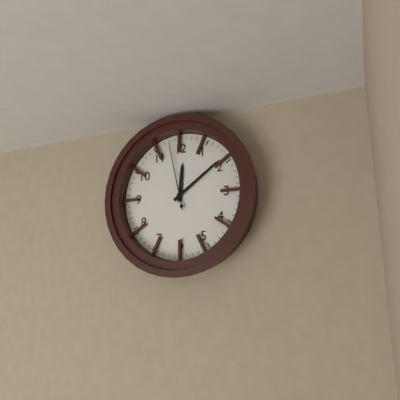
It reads 12h09m58s
